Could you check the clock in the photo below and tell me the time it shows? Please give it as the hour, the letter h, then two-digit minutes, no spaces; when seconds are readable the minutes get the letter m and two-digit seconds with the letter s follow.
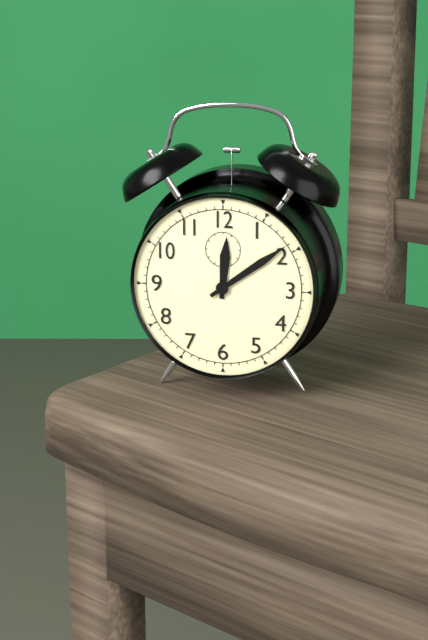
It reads 12h09
